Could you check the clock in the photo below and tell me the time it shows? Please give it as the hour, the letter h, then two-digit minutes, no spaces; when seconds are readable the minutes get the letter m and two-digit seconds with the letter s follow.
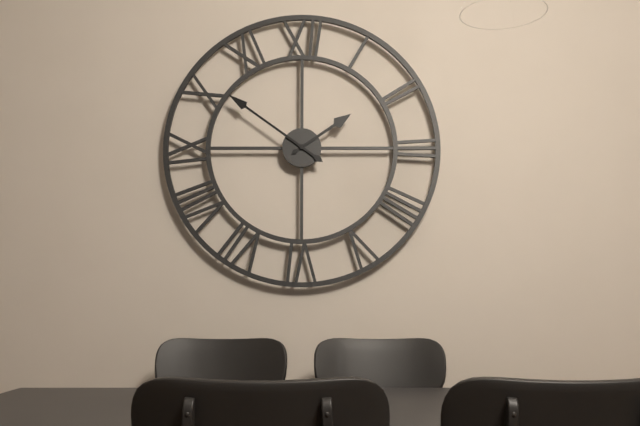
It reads 1h51
